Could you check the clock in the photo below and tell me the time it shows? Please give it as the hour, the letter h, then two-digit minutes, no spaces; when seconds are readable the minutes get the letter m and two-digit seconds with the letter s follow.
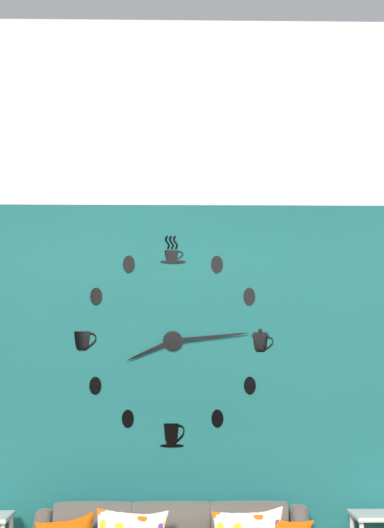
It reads 8h14
